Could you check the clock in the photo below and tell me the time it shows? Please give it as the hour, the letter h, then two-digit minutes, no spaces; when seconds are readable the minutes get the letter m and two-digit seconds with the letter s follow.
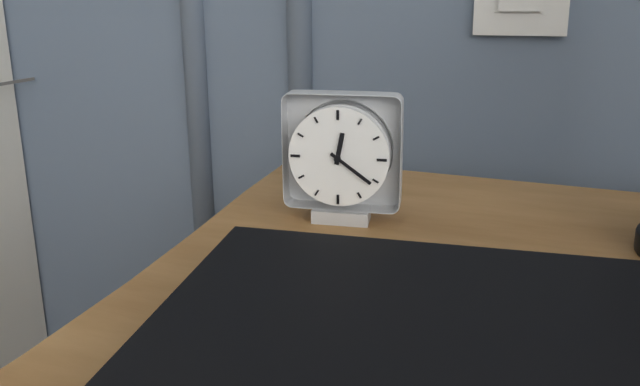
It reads 12h21
